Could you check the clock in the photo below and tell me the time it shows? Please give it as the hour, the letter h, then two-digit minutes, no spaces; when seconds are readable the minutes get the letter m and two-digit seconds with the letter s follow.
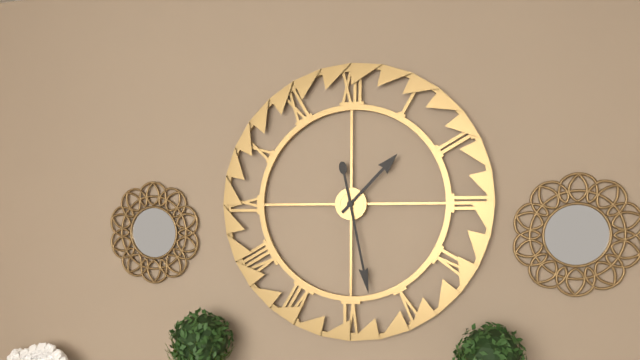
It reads 1h28
